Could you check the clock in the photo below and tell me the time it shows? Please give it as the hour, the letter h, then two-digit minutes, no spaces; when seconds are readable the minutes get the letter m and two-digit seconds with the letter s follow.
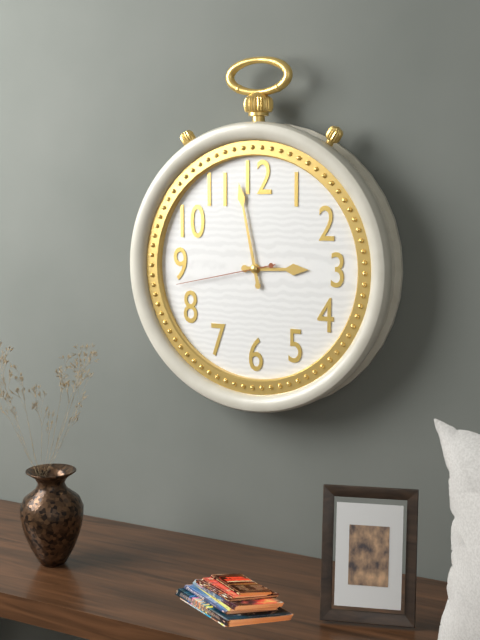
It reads 2h58m43s
